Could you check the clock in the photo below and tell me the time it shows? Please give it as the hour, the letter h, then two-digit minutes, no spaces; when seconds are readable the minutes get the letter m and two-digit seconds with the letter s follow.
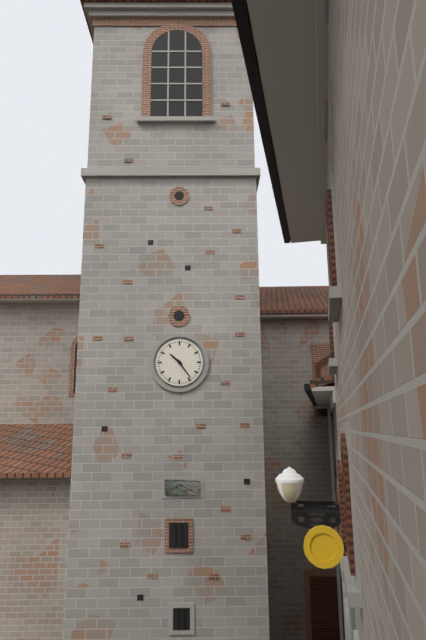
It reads 10h24
